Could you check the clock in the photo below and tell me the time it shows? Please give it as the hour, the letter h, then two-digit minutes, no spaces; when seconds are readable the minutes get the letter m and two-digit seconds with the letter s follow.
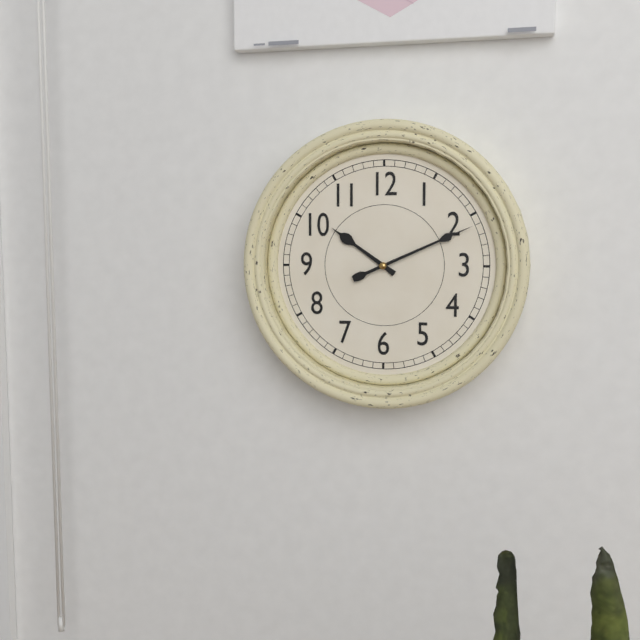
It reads 10h11
